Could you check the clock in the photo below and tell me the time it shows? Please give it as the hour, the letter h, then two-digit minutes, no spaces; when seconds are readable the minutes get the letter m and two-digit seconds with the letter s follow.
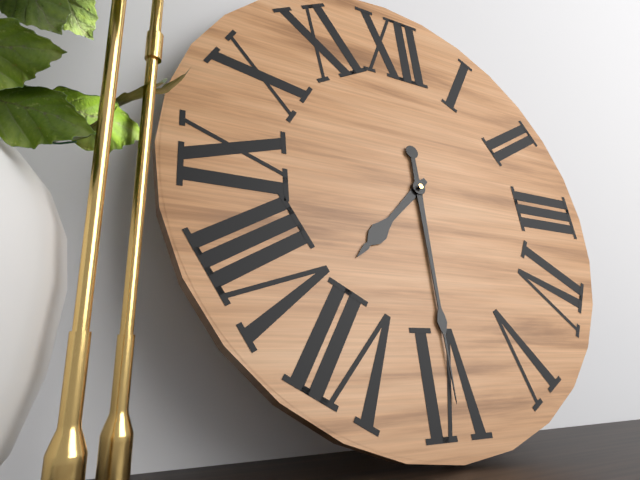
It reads 7h30
